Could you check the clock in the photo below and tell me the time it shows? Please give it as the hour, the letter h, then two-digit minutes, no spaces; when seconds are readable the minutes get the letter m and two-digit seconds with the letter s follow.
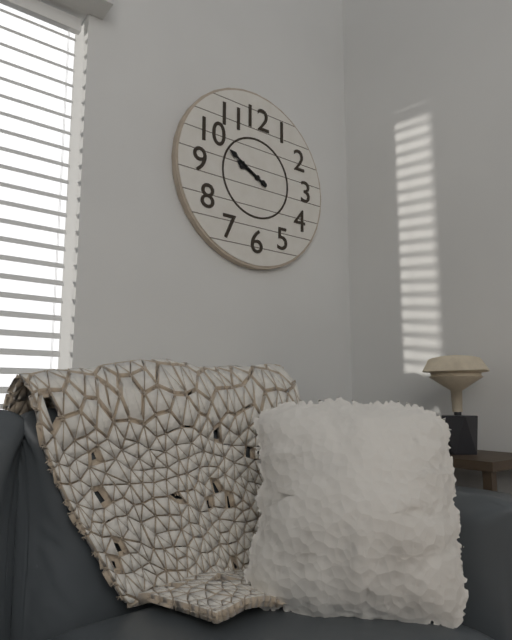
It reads 9h50
